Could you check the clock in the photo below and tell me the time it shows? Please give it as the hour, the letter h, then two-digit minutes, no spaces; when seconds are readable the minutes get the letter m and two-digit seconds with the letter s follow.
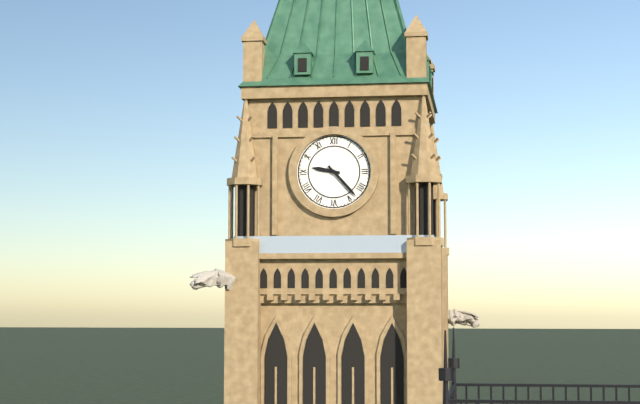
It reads 9h23
